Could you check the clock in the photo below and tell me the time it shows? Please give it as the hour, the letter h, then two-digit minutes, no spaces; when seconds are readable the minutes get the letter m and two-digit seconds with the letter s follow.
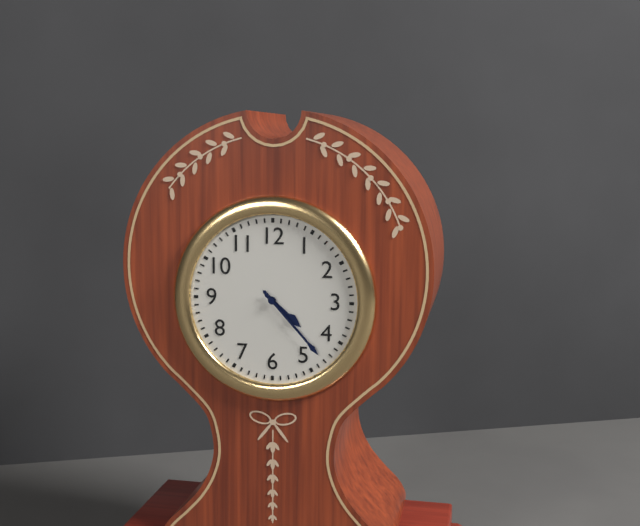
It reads 4h23
